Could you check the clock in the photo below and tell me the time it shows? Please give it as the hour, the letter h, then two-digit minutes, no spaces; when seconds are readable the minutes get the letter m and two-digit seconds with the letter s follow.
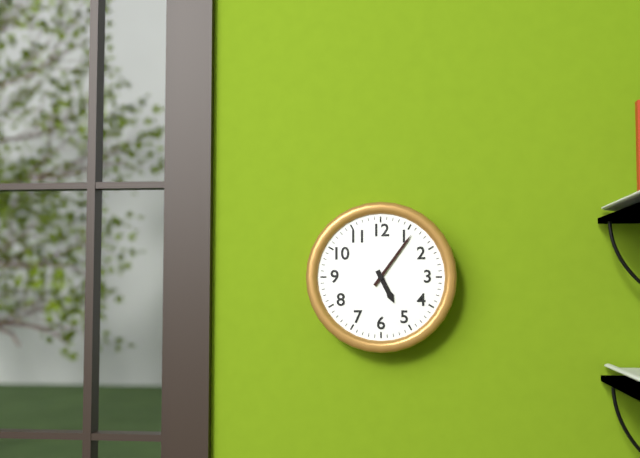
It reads 5h06
